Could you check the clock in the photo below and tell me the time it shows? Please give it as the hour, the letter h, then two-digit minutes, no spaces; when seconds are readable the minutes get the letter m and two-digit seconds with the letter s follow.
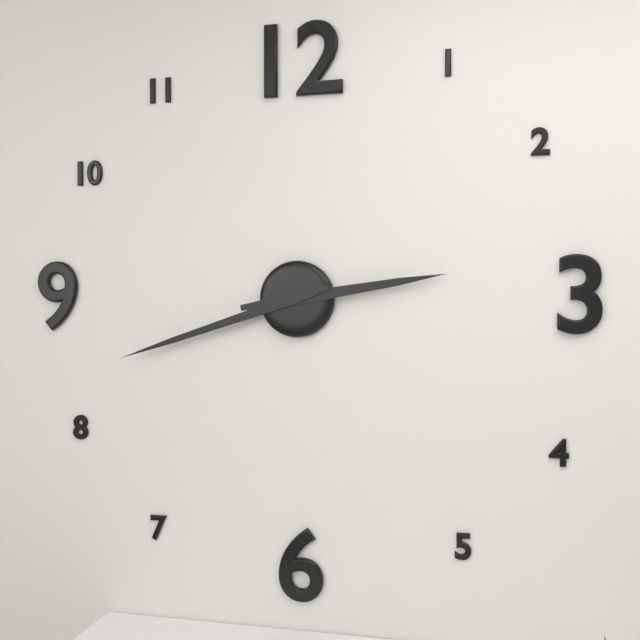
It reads 2h42
